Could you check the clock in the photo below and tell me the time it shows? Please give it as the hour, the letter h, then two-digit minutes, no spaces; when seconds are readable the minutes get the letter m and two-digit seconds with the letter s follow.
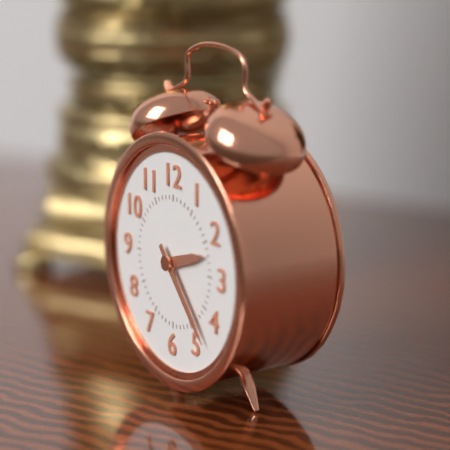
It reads 2h23
